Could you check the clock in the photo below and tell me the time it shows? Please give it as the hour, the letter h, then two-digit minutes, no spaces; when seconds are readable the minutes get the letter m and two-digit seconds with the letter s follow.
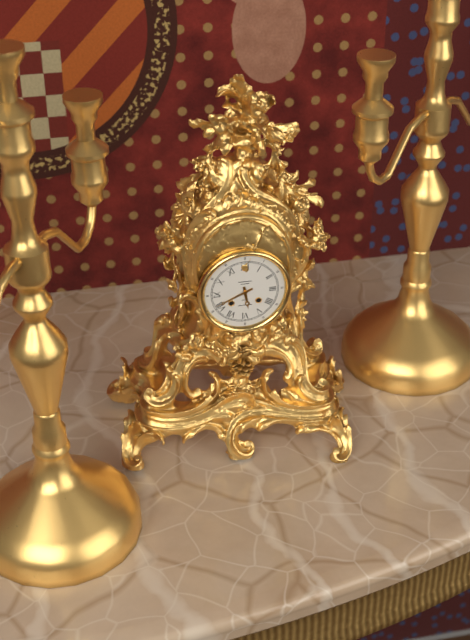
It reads 5h41
